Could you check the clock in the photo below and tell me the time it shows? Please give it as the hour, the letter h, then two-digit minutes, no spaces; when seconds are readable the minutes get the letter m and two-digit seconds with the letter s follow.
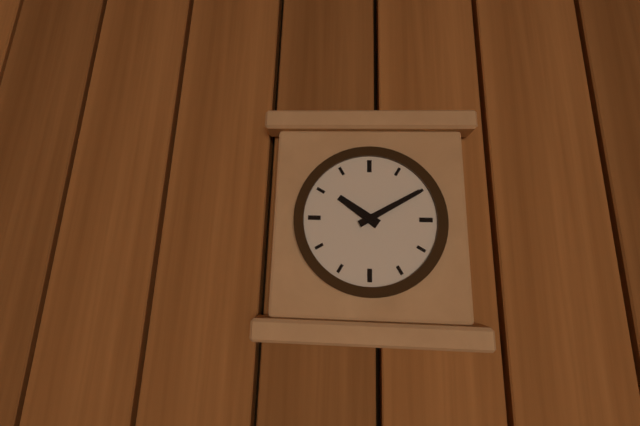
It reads 10h10
